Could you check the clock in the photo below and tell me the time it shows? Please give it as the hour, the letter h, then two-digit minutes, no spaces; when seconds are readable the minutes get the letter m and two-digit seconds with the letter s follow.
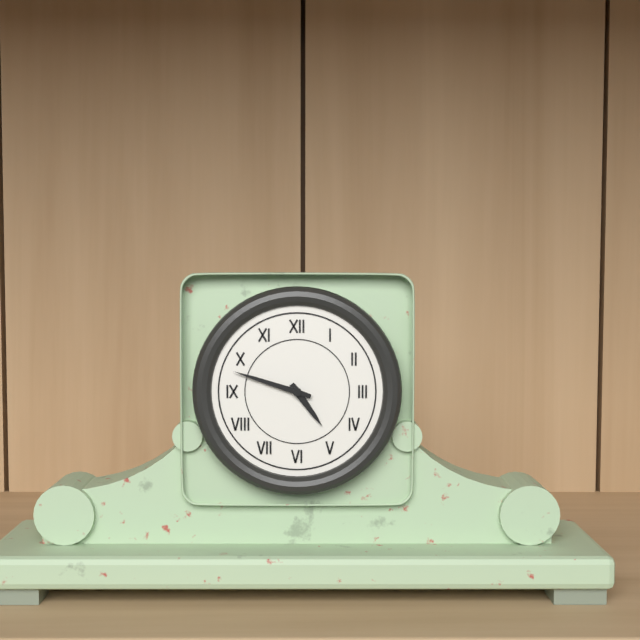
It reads 4h48
